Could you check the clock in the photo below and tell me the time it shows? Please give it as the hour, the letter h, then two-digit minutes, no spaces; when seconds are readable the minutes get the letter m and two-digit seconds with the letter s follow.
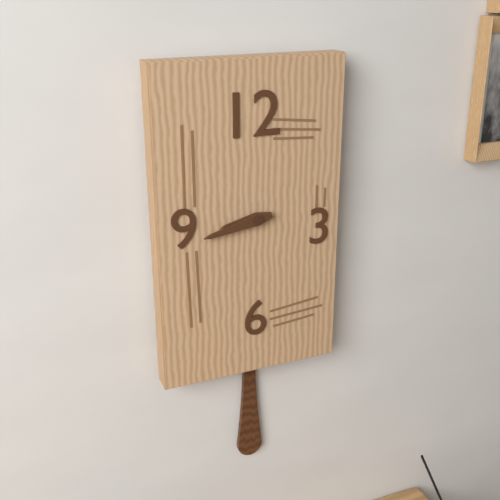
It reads 8h43
